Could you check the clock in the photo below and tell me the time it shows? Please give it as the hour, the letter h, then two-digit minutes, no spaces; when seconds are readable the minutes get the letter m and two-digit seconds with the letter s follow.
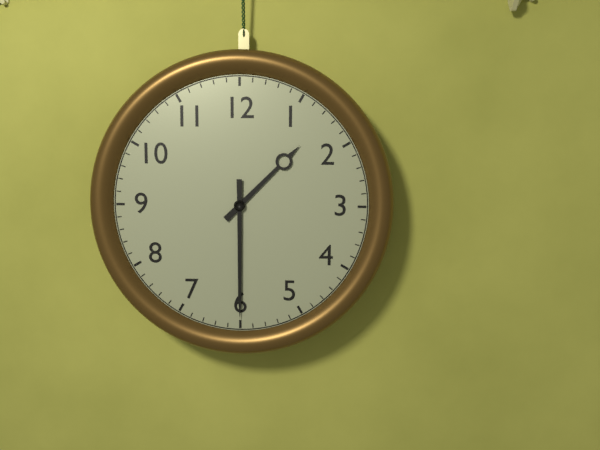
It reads 1h30
